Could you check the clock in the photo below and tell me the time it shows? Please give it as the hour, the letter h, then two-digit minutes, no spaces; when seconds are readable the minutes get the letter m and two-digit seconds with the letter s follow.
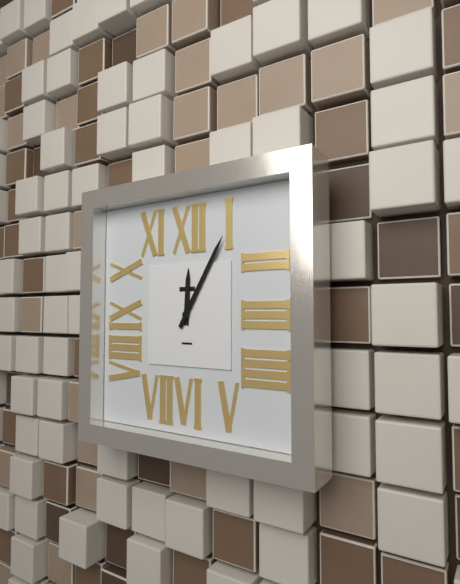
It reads 12h05
